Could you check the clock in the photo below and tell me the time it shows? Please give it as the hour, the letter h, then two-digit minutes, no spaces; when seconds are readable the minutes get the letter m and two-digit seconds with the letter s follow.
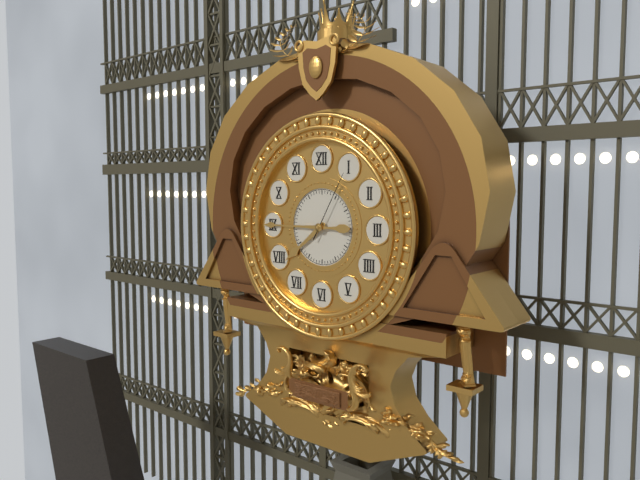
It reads 7h45m05s
